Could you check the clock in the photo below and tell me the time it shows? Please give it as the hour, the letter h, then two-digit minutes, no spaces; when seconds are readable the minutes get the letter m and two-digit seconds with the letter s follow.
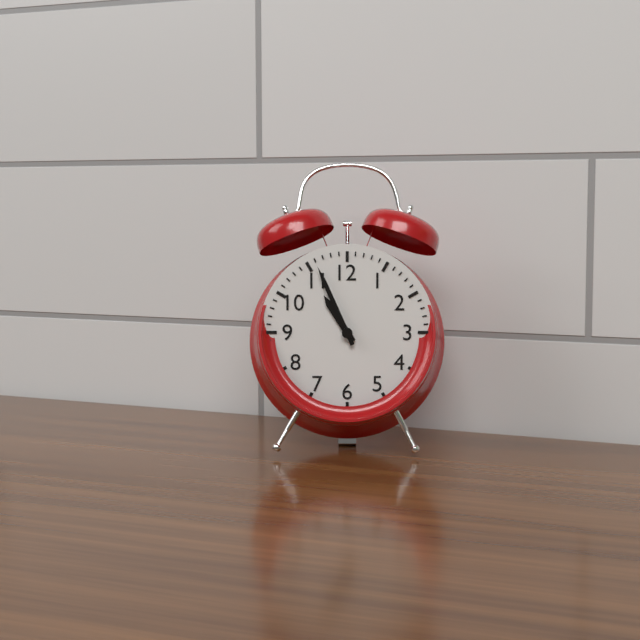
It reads 10h56
